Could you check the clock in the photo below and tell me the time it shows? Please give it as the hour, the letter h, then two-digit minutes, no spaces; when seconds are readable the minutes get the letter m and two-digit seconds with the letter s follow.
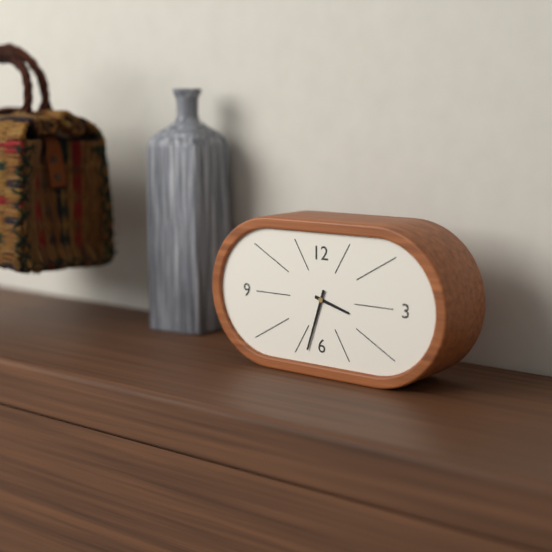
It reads 3h33
